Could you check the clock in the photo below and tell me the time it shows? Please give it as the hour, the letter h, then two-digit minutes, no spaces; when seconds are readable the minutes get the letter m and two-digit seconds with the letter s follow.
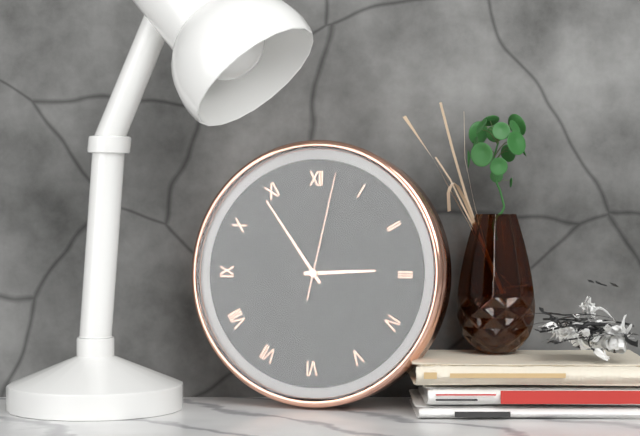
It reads 2h54m02s
